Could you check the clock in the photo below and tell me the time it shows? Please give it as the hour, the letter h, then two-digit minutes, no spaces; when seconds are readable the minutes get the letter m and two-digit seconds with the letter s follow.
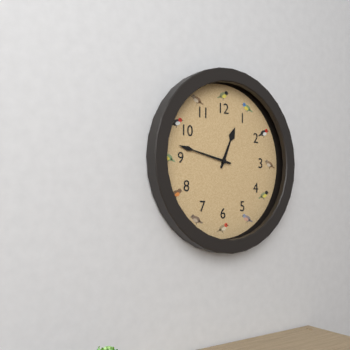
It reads 12h47
